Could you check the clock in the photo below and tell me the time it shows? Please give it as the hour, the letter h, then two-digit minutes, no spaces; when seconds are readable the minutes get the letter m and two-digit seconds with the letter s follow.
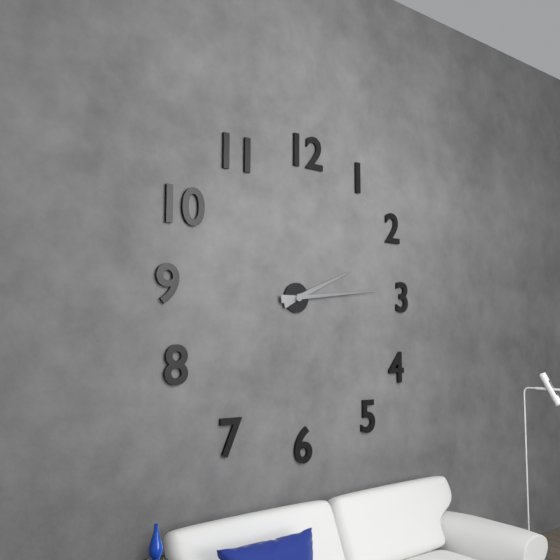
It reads 2h14
